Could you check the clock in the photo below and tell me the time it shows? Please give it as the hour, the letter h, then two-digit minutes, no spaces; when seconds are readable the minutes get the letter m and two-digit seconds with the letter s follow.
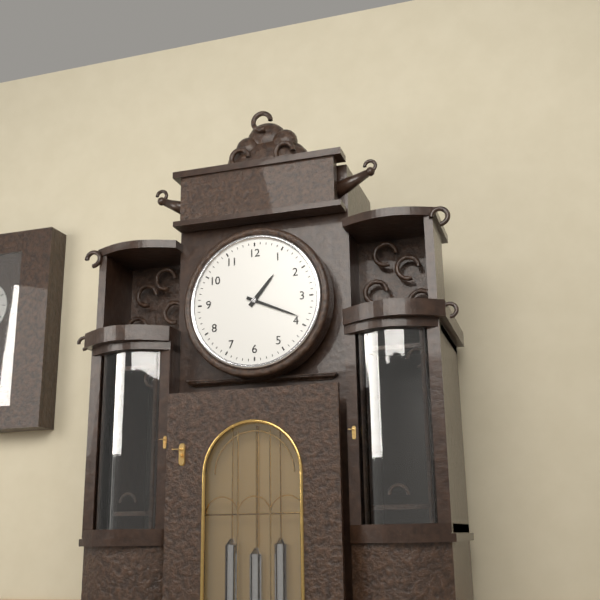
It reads 1h19
